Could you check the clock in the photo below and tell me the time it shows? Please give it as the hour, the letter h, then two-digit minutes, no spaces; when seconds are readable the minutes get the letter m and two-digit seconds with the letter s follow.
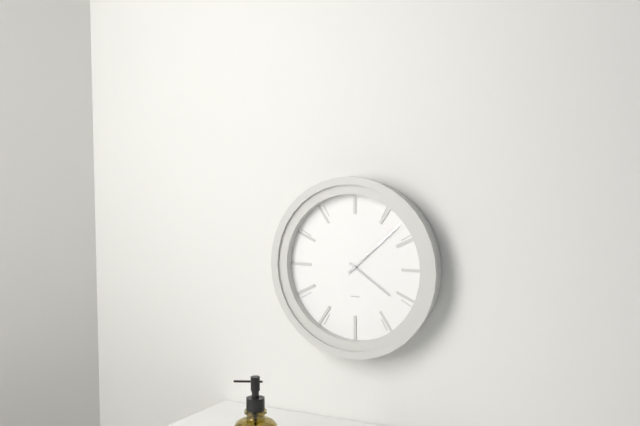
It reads 4h08
